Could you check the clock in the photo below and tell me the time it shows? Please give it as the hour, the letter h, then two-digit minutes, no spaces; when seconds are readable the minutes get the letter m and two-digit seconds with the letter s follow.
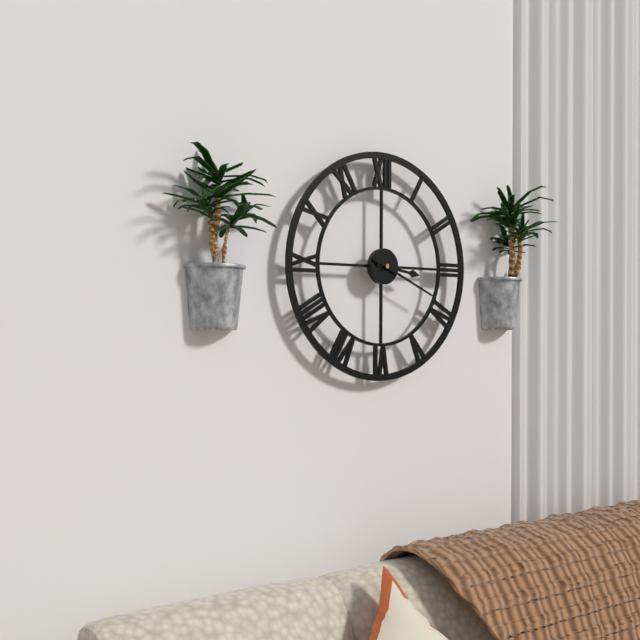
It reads 3h19
